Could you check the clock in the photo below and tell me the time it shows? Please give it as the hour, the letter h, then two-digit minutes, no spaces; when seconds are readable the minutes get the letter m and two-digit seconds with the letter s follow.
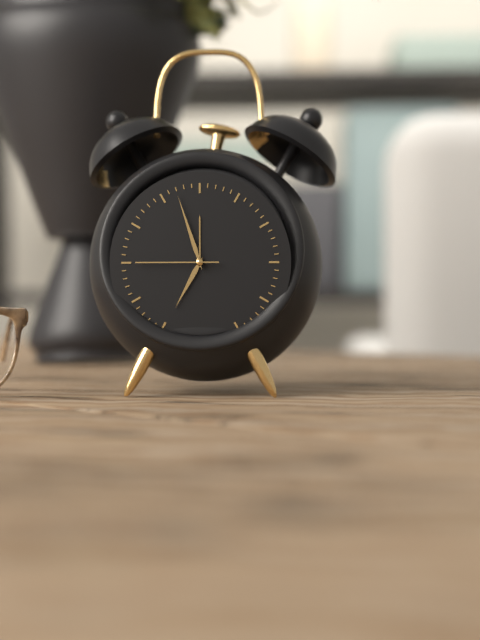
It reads 6h57m45s
